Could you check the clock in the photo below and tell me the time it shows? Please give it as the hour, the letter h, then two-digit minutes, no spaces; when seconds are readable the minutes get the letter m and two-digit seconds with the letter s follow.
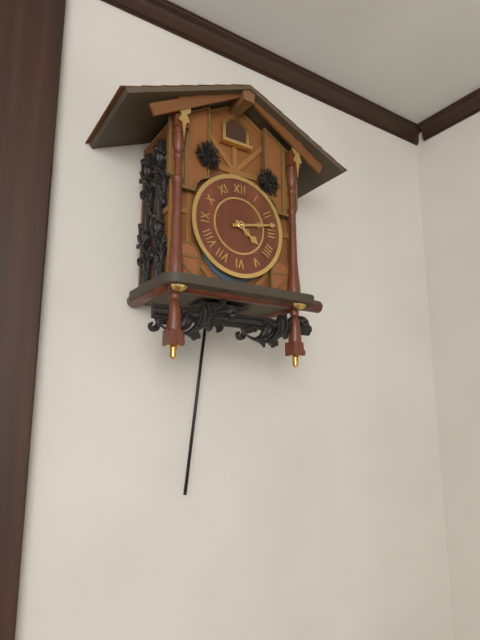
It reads 4h13
